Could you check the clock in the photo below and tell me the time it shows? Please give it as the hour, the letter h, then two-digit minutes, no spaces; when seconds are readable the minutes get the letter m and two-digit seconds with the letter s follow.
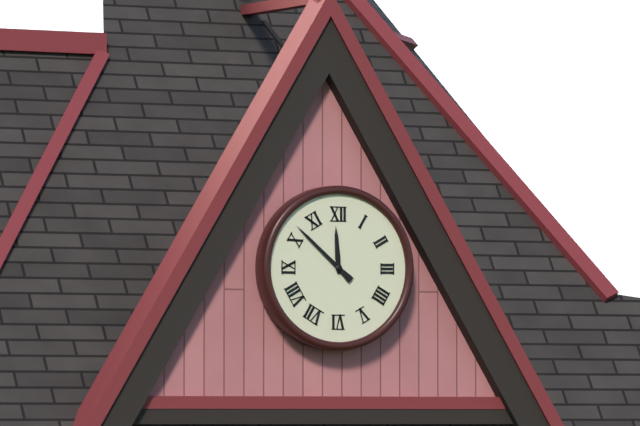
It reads 11h52
